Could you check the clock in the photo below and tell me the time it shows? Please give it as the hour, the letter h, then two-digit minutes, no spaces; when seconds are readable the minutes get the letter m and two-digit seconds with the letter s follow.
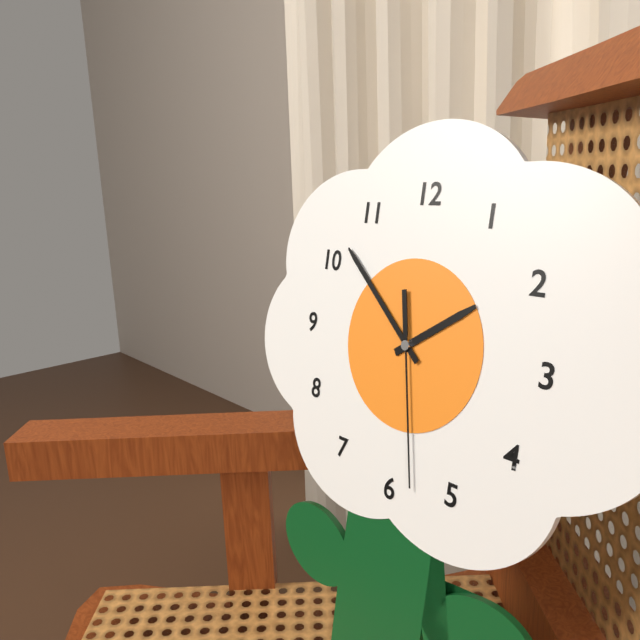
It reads 1h52m28s
